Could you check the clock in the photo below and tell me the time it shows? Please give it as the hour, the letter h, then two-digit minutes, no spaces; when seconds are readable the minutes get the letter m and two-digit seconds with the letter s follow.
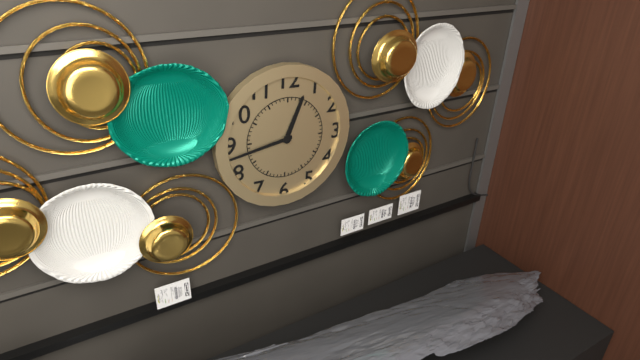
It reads 12h43
